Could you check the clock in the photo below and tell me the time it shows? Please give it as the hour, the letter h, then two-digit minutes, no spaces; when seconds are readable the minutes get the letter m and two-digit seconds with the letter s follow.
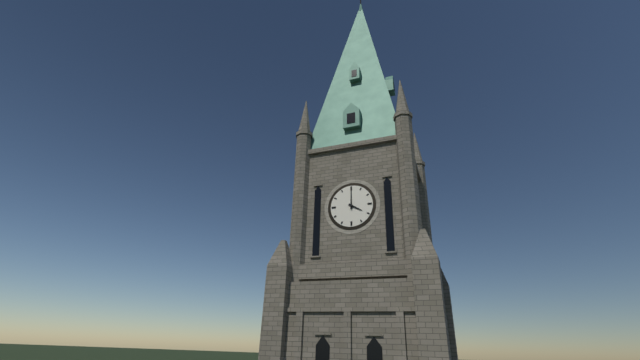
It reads 4h00
